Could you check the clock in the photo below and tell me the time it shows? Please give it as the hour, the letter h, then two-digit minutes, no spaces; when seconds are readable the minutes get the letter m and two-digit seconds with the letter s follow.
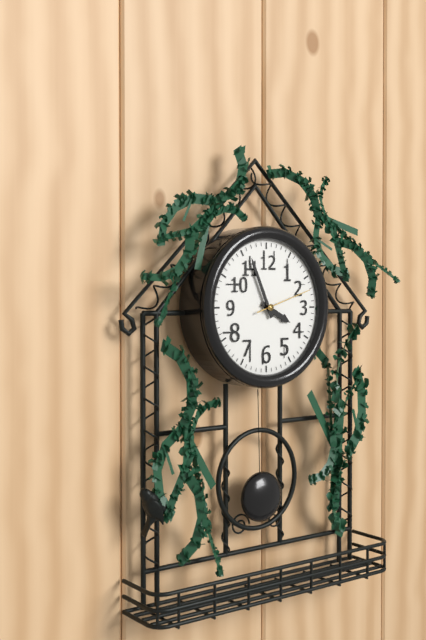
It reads 3h56m12s
